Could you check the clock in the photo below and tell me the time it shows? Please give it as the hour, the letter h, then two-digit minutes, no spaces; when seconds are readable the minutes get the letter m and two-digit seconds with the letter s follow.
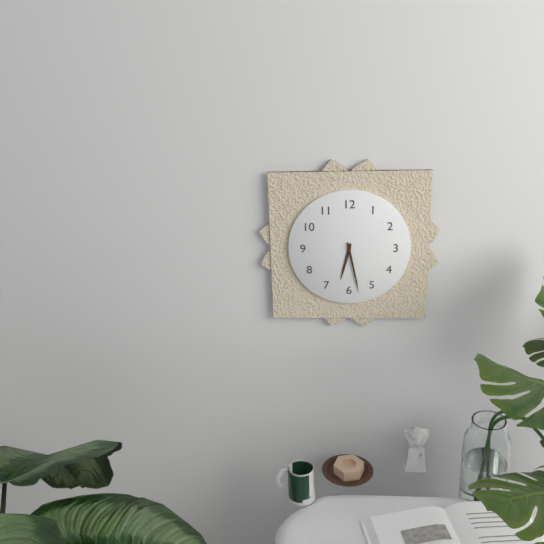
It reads 6h28
